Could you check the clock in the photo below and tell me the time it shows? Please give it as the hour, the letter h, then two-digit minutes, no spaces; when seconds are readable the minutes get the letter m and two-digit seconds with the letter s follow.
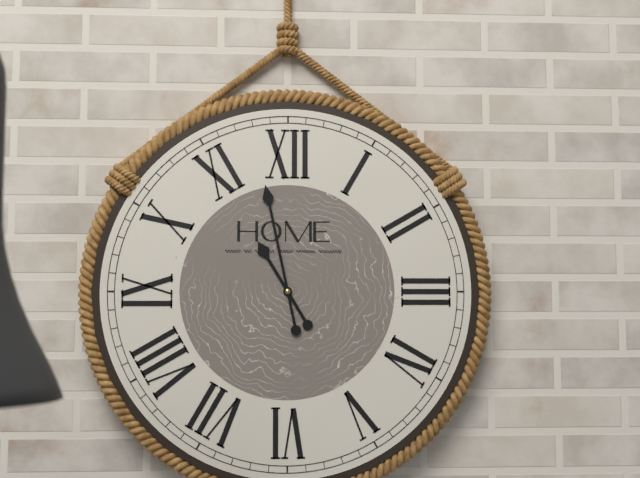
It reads 10h58
